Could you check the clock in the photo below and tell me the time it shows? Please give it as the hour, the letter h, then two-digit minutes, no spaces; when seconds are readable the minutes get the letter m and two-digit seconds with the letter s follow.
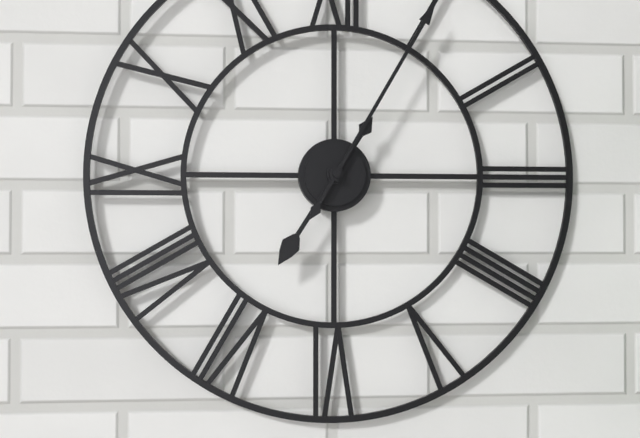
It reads 7h05
